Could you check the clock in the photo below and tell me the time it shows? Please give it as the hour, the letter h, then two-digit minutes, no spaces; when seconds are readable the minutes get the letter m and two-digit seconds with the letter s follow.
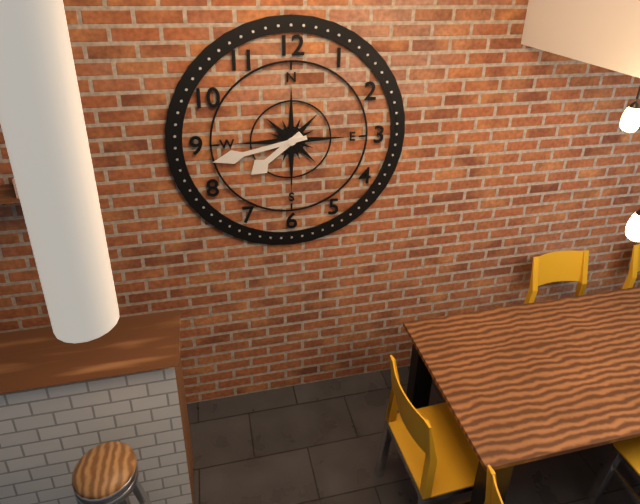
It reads 7h43
